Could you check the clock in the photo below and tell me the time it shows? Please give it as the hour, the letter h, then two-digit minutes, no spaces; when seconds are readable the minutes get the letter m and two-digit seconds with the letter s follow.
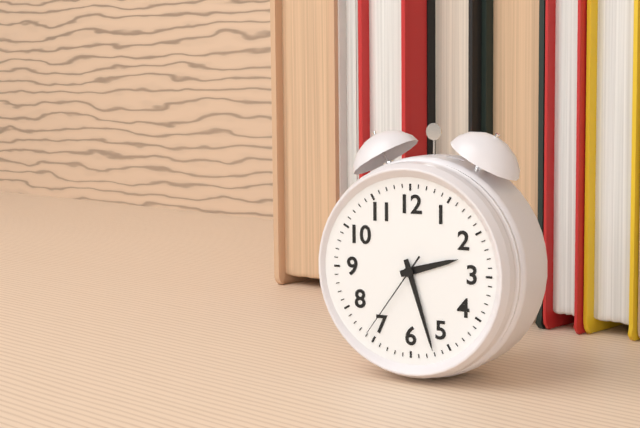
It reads 2h27m36s
